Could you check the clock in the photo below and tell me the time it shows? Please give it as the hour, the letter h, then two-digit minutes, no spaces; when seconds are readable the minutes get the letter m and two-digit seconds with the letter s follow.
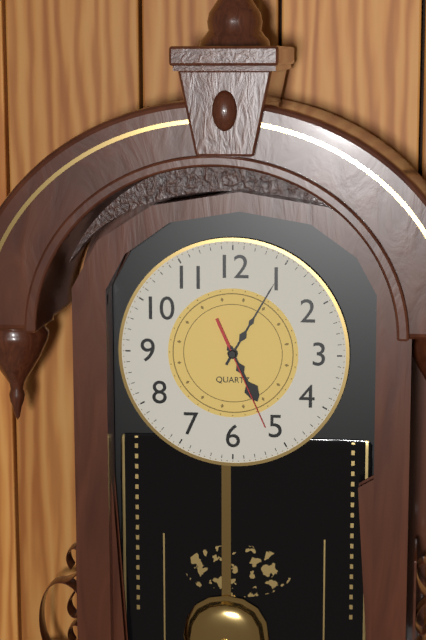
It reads 5h05m26s
